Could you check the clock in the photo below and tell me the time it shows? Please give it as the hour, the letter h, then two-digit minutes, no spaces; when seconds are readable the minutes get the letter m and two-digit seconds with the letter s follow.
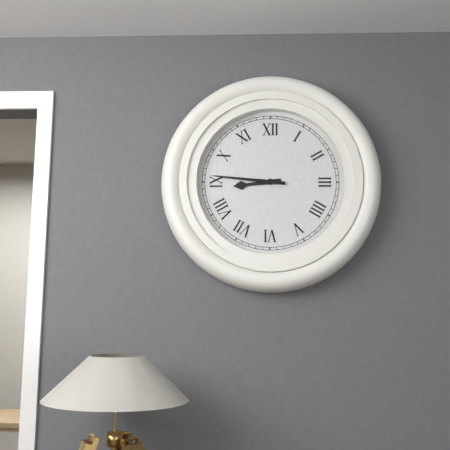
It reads 8h46
